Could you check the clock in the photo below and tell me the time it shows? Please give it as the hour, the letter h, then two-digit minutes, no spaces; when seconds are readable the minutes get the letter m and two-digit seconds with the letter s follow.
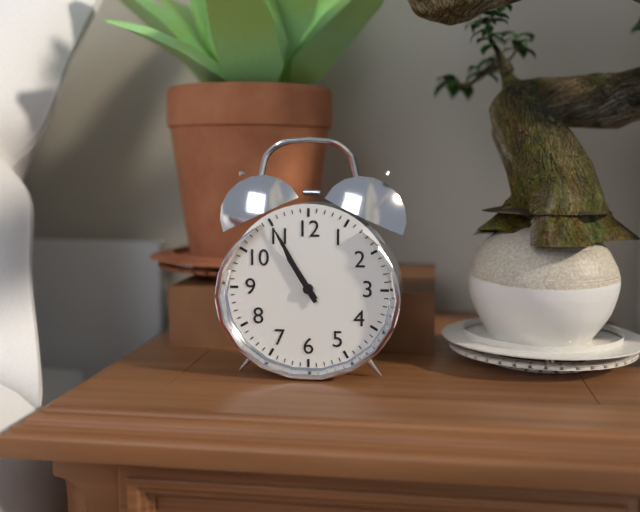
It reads 10h55
